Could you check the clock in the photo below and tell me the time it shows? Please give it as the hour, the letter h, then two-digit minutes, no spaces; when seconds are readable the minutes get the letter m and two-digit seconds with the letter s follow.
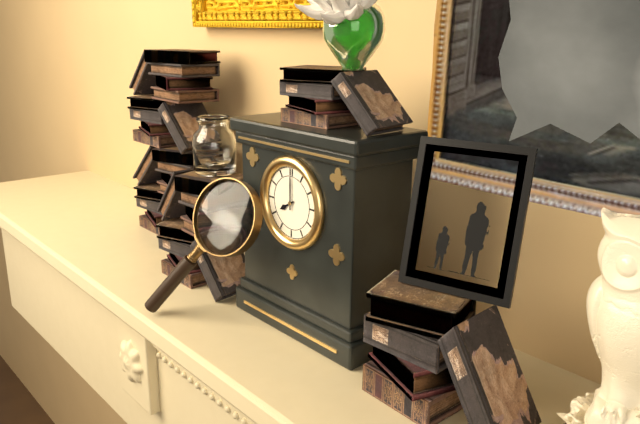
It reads 8h00
